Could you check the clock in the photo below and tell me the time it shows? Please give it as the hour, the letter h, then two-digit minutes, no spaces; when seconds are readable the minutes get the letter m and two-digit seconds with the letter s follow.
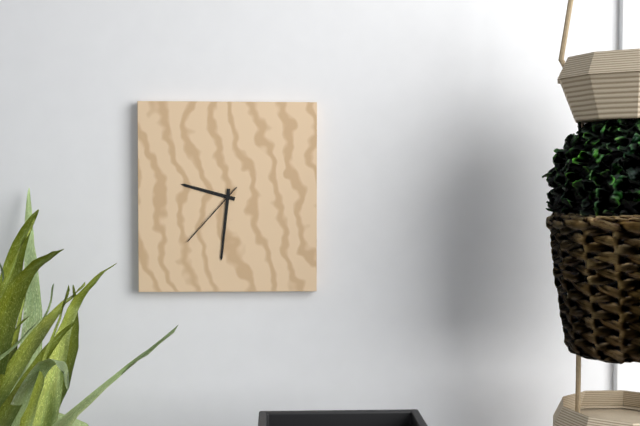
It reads 9h31m37s
